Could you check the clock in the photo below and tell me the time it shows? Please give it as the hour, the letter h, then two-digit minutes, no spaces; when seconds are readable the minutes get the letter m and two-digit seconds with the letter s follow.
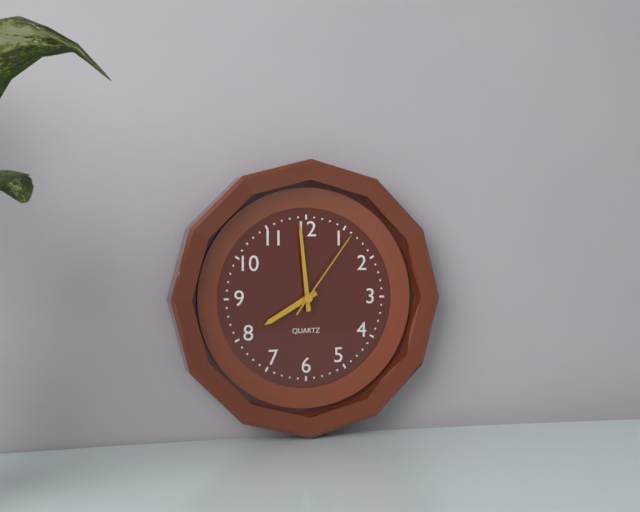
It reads 7h59m06s
